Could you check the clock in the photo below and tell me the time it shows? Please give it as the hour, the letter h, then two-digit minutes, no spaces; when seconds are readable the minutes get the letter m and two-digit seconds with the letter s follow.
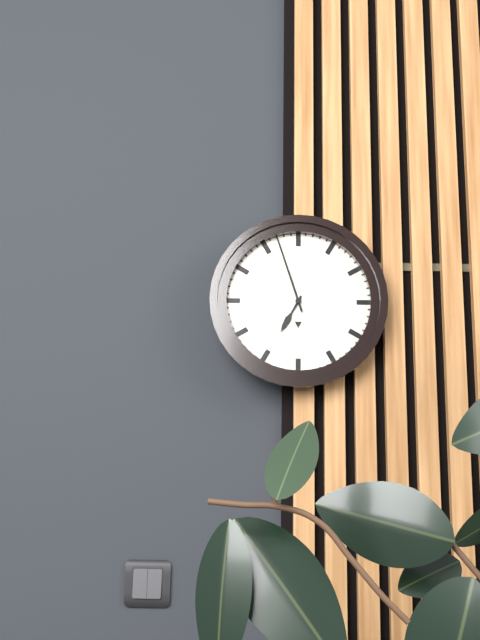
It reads 6h57
